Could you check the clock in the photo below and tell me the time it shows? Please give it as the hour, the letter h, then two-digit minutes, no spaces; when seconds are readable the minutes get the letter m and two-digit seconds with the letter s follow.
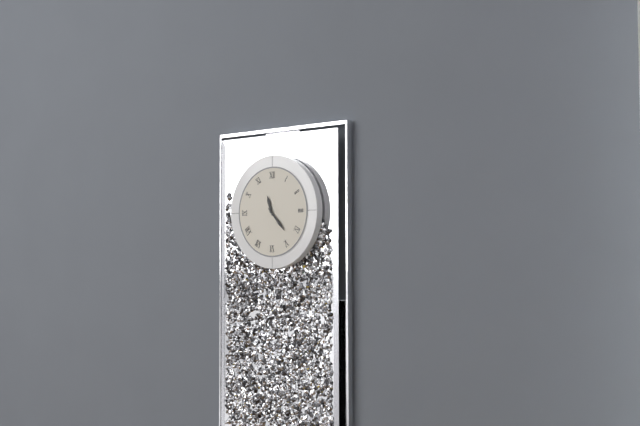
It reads 11h23
